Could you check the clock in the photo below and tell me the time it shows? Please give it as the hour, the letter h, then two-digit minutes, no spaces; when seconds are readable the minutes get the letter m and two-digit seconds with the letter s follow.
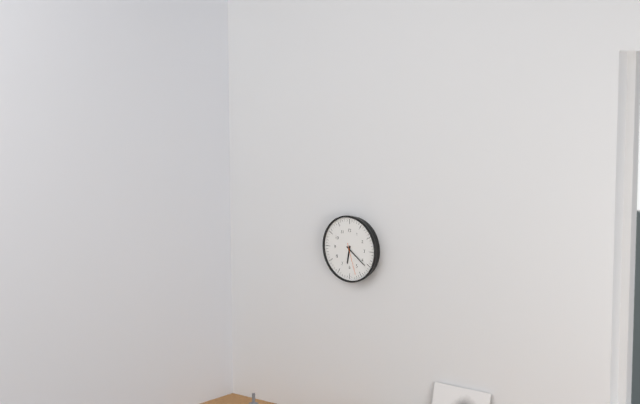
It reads 6h21
